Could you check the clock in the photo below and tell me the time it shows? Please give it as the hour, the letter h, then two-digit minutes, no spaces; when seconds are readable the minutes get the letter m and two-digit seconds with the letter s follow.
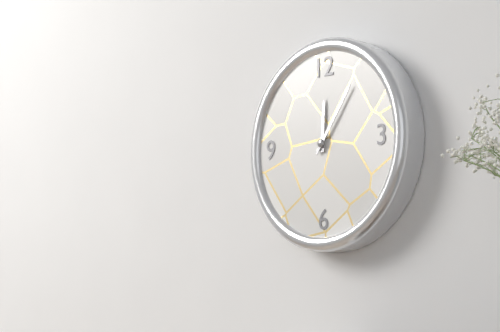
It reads 12h06
